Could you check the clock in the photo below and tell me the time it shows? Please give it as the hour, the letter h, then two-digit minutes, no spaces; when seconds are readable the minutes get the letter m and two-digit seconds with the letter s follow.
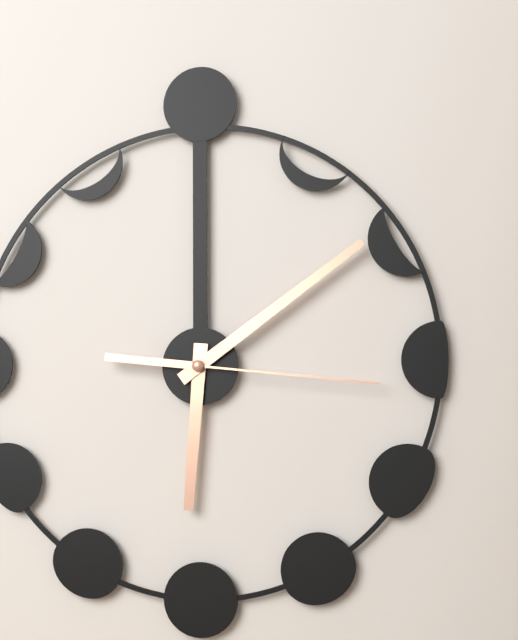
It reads 6h09m16s
